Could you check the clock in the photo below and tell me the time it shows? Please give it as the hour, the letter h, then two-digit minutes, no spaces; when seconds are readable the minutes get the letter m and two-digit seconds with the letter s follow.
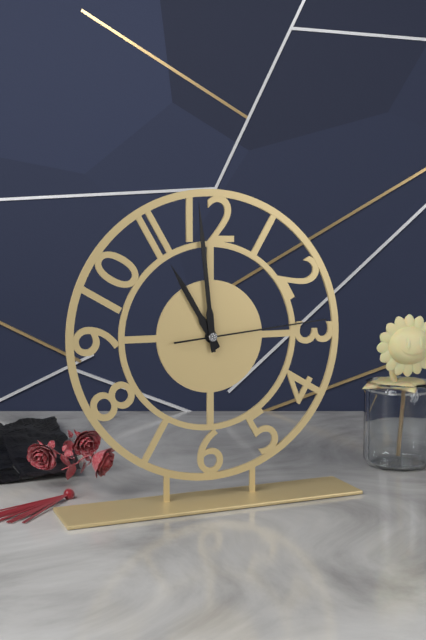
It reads 10h59m14s
